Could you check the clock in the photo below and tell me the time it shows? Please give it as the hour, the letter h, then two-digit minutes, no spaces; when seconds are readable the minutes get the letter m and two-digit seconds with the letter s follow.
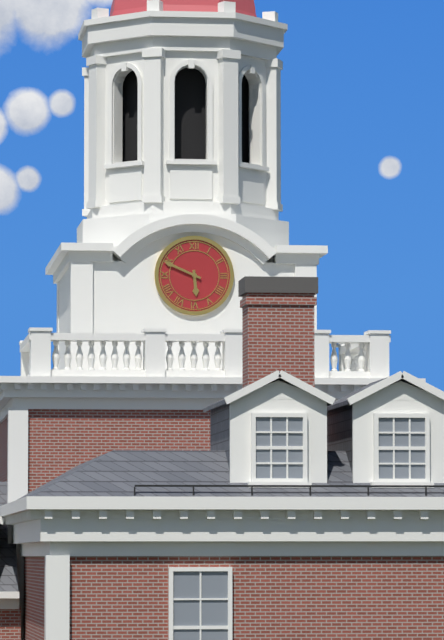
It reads 5h49
